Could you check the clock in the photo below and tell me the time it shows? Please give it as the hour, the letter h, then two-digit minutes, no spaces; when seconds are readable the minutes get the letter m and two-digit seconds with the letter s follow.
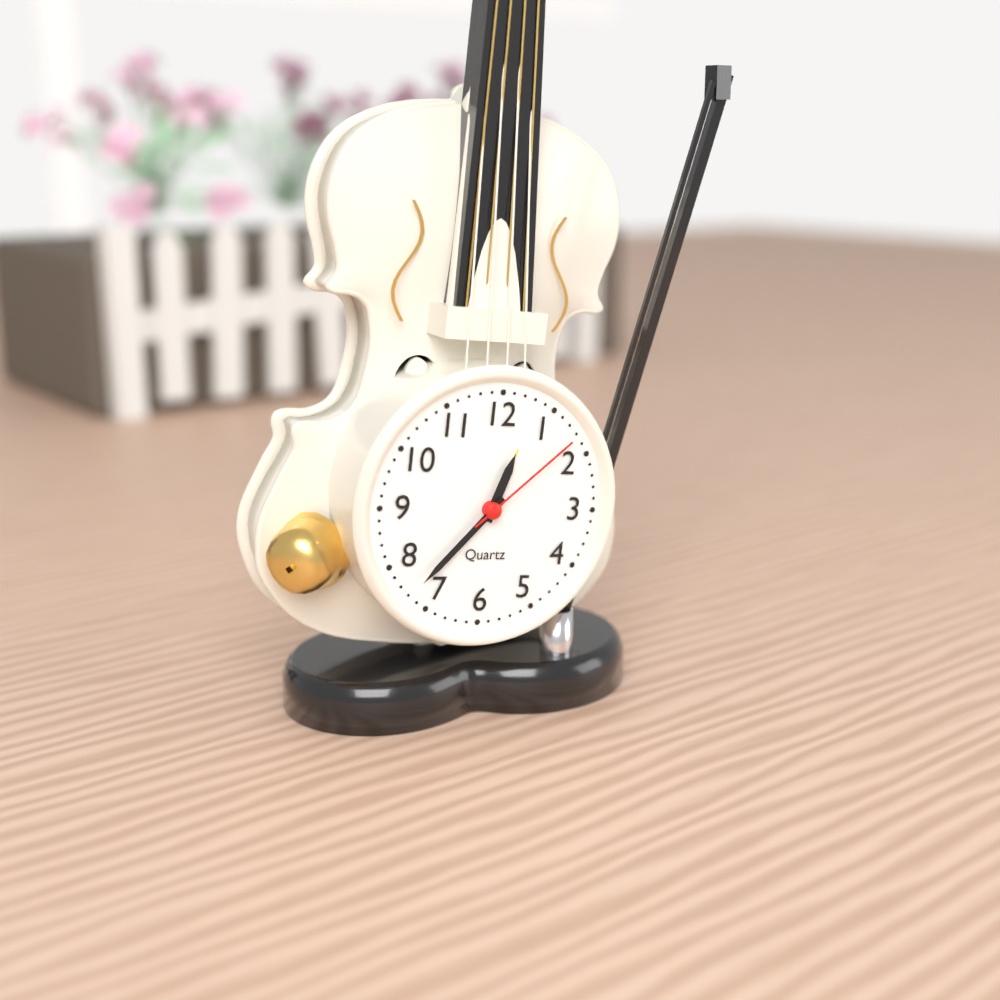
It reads 12h37m08s
